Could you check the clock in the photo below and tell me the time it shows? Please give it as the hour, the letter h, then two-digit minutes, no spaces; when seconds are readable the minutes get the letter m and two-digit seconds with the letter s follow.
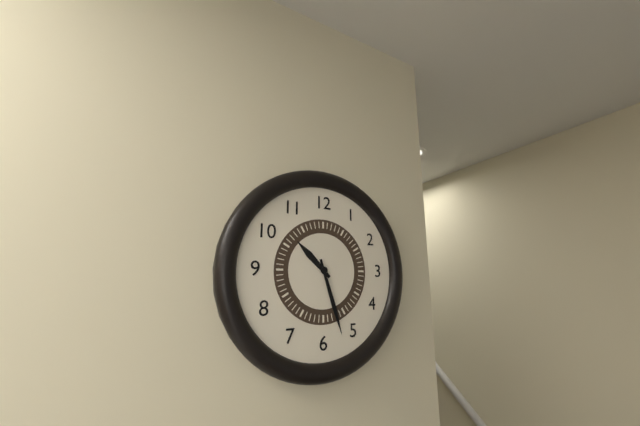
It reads 10h27
